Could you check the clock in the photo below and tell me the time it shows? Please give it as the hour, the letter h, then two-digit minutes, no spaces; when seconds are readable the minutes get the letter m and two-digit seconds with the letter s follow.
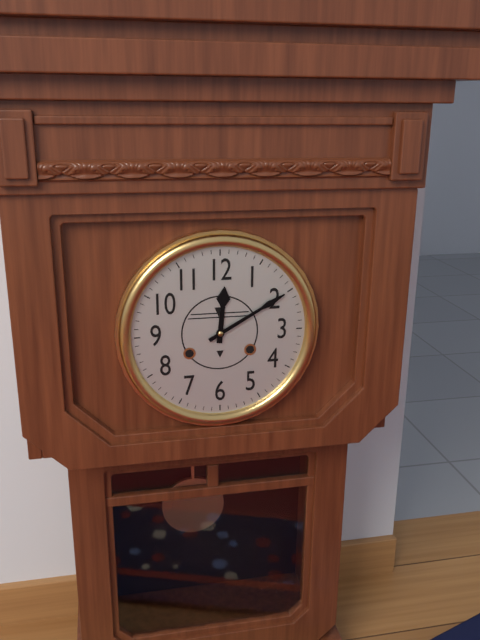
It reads 12h10
